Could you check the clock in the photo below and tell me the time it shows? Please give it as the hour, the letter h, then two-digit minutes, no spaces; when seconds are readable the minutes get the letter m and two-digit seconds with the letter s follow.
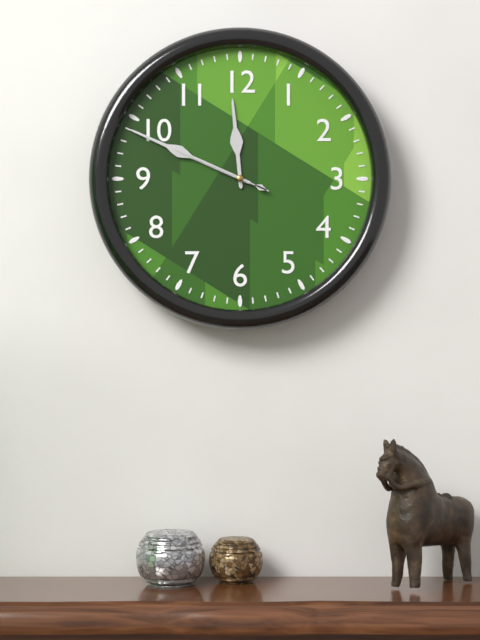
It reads 11h49m49s
